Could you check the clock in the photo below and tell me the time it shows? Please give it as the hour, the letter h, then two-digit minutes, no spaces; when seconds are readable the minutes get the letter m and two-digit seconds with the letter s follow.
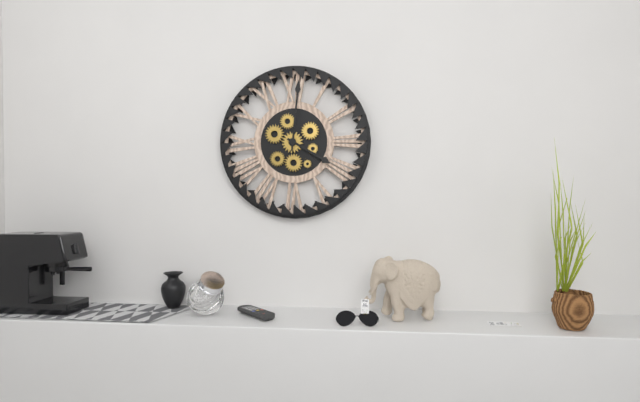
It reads 4h01
